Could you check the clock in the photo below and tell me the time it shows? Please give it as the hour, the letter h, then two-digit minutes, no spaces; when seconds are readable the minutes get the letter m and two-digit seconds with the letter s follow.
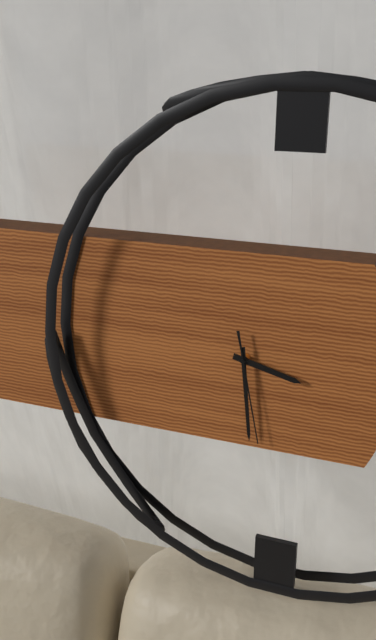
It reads 3h29m28s
